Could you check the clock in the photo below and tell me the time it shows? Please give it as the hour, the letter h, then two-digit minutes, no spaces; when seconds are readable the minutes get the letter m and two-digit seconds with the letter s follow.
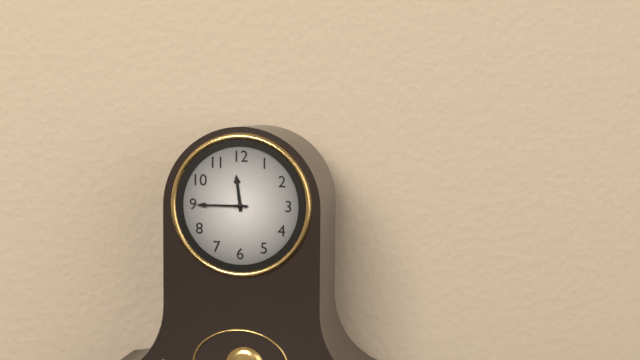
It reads 11h45
